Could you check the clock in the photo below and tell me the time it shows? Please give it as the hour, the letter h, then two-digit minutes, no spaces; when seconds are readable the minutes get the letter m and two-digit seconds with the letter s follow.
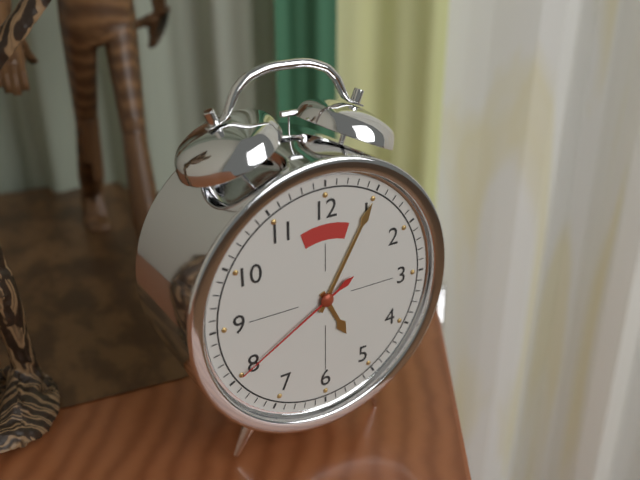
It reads 5h05m40s
